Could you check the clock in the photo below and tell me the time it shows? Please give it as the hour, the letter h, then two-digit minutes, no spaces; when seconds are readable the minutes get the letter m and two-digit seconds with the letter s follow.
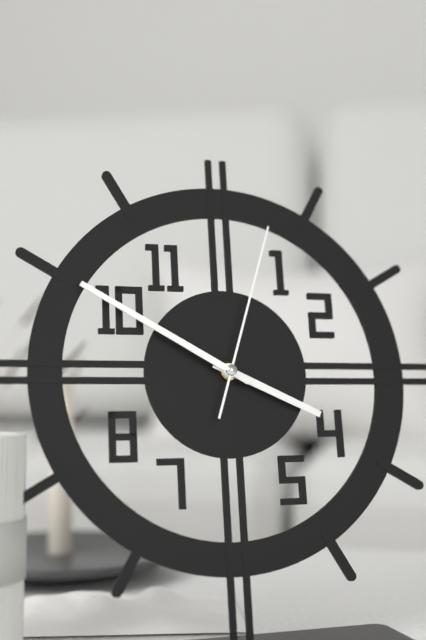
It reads 3h50m03s
